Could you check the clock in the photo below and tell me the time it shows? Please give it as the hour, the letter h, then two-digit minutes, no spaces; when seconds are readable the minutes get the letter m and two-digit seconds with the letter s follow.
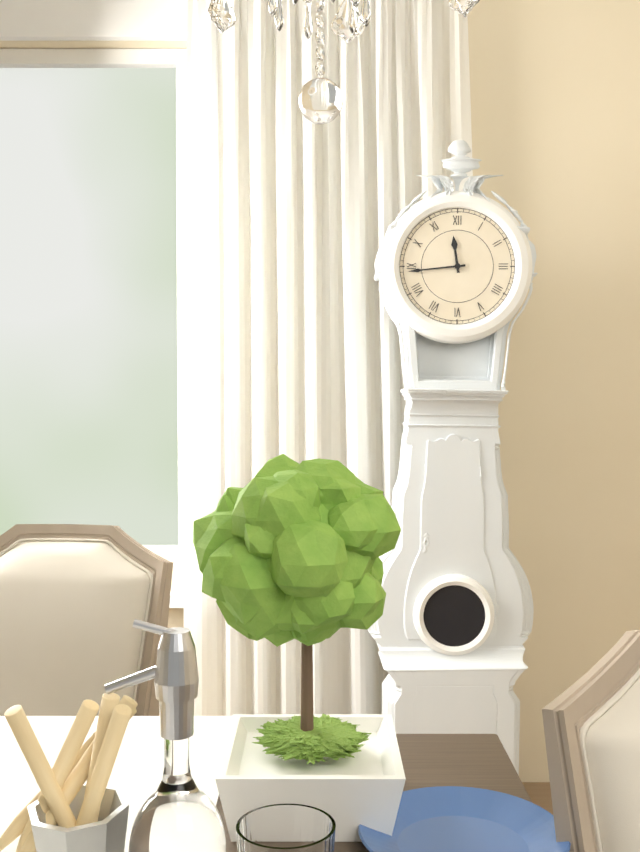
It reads 11h44
